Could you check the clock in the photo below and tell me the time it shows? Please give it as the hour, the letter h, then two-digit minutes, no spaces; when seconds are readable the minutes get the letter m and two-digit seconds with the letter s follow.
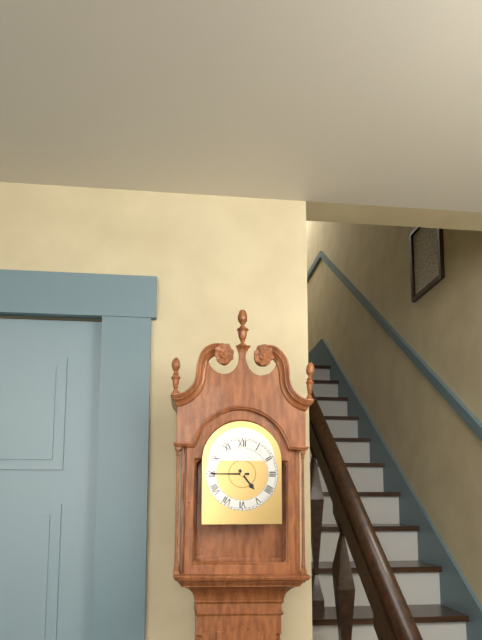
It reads 4h45
